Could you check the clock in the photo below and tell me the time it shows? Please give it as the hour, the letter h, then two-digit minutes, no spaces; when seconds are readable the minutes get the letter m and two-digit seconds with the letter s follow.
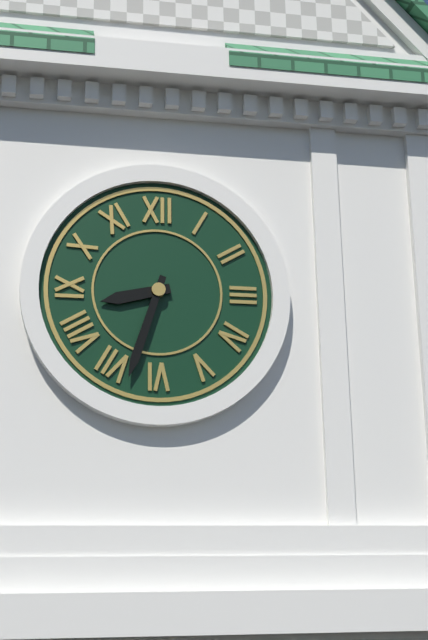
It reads 8h33
